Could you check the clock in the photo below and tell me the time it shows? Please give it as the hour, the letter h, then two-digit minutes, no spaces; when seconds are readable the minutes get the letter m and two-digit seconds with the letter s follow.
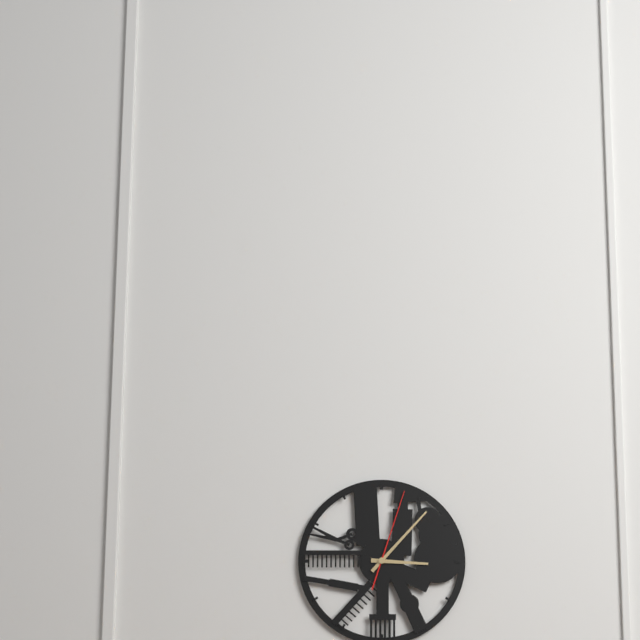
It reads 3h07m03s
